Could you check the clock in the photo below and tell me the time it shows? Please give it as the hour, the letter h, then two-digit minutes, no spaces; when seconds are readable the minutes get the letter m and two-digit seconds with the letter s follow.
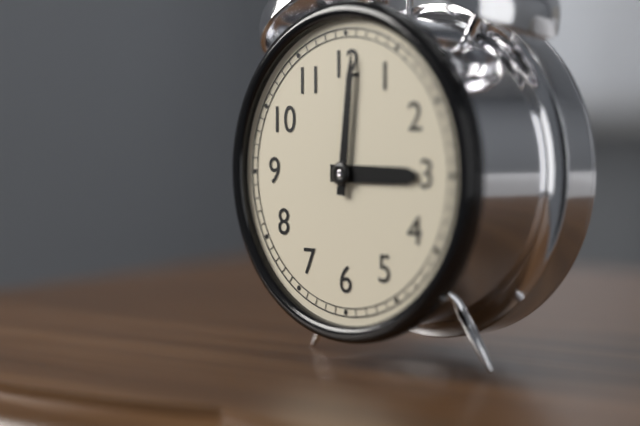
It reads 3h01
